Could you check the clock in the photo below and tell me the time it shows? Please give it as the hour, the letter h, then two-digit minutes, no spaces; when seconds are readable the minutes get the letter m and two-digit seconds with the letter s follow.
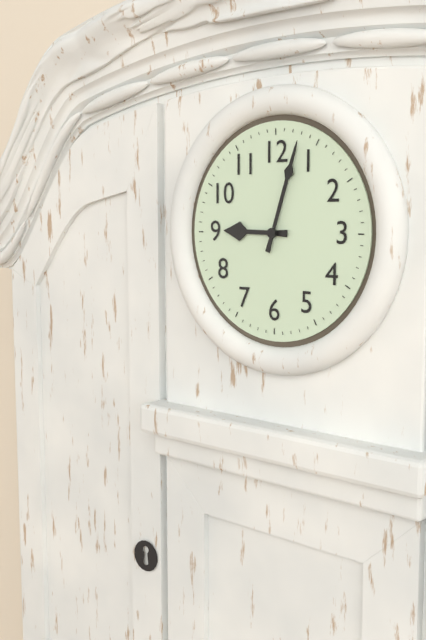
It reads 9h03
